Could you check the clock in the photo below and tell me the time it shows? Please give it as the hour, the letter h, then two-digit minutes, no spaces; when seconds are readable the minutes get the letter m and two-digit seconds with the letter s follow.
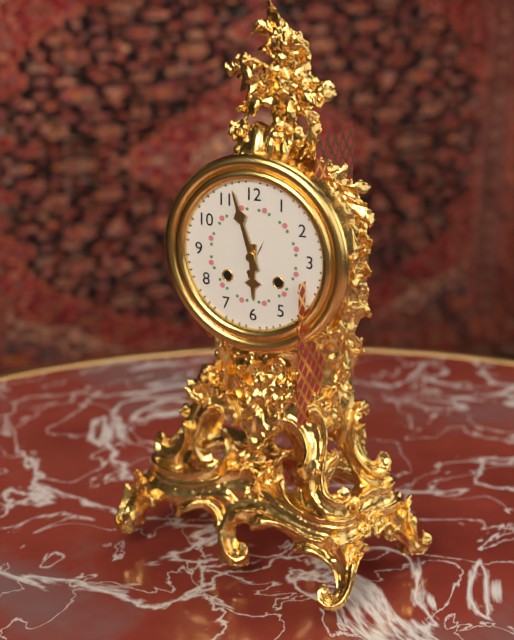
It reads 5h57
